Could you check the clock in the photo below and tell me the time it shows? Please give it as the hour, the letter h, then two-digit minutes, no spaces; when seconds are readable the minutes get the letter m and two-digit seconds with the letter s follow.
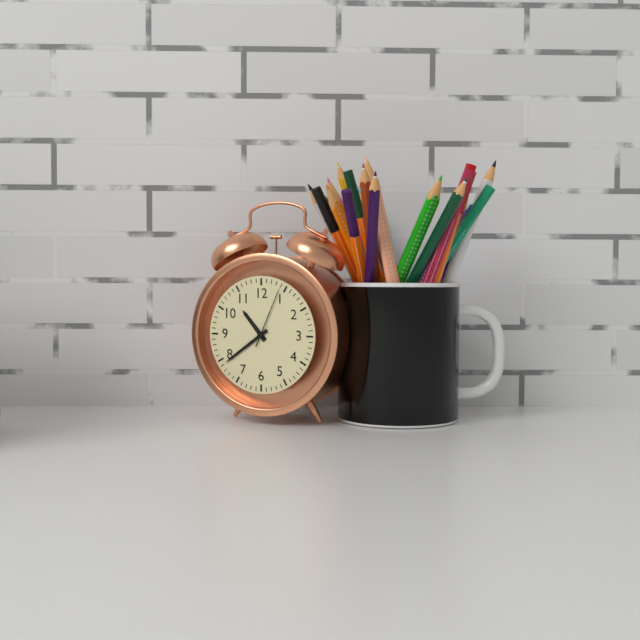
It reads 10h39m04s
